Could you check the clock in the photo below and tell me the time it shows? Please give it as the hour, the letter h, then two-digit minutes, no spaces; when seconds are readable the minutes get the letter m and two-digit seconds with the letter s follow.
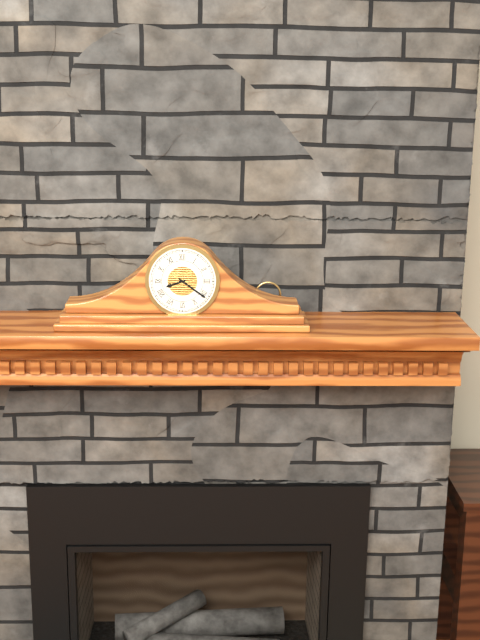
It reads 8h21
